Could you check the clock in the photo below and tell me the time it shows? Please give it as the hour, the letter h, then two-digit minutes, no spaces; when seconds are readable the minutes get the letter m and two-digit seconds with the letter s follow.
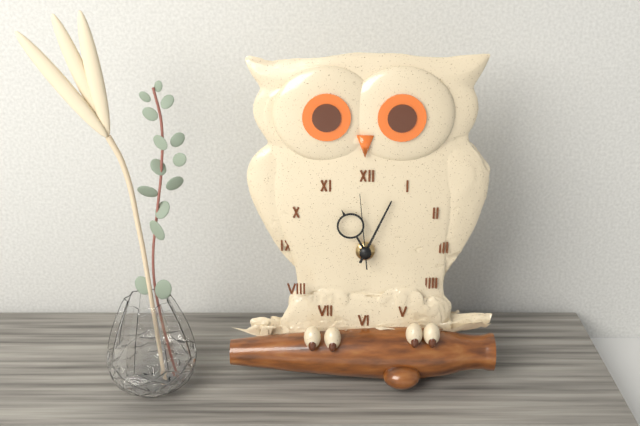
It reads 11h04m59s
